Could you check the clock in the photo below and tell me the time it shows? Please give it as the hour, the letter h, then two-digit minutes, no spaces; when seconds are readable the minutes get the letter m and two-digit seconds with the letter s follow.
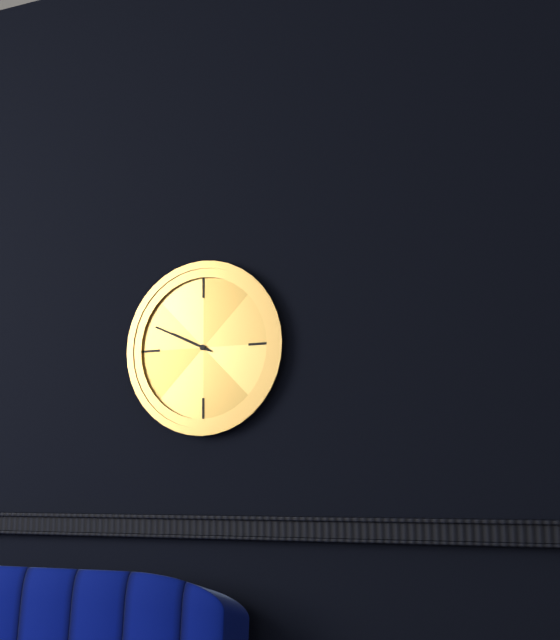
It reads 9h49
